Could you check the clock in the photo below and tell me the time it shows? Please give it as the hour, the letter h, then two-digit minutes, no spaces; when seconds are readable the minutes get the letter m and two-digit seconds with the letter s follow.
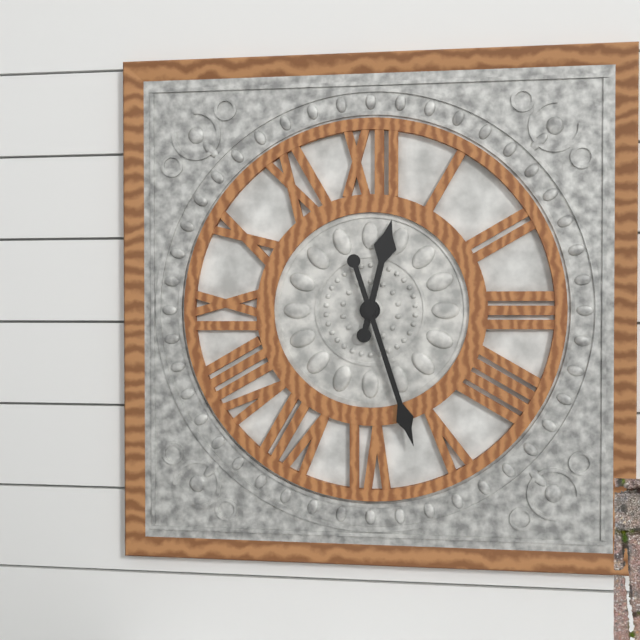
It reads 12h27
